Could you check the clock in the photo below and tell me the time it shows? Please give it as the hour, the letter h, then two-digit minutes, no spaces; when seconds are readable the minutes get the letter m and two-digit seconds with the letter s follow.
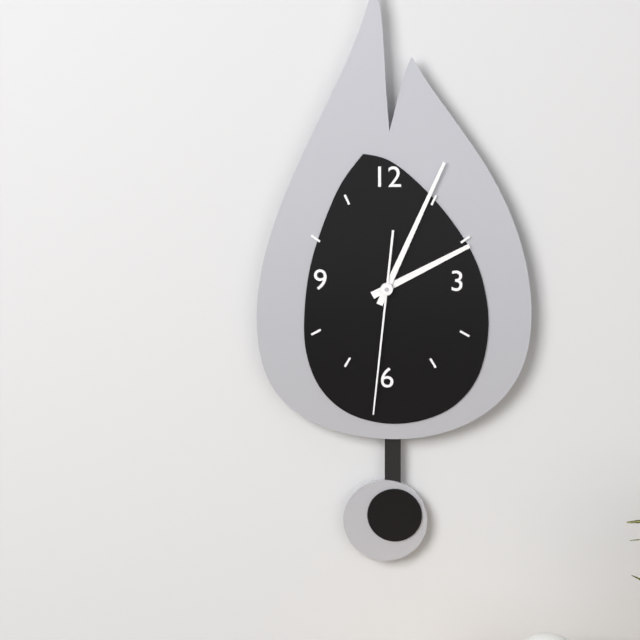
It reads 2h04m31s
